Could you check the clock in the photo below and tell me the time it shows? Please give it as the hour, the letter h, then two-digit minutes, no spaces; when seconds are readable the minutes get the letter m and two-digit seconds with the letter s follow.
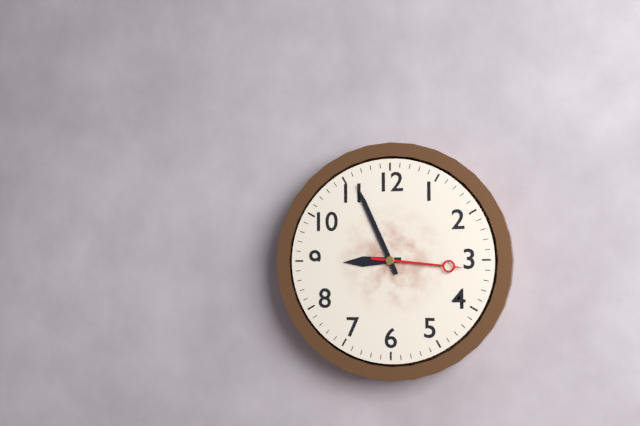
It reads 8h56m16s
